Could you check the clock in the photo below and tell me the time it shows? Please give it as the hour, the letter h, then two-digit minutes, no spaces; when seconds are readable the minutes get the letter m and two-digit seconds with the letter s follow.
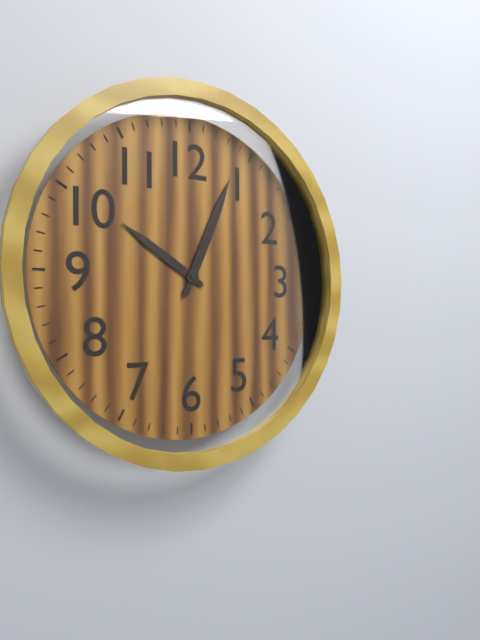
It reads 10h04
